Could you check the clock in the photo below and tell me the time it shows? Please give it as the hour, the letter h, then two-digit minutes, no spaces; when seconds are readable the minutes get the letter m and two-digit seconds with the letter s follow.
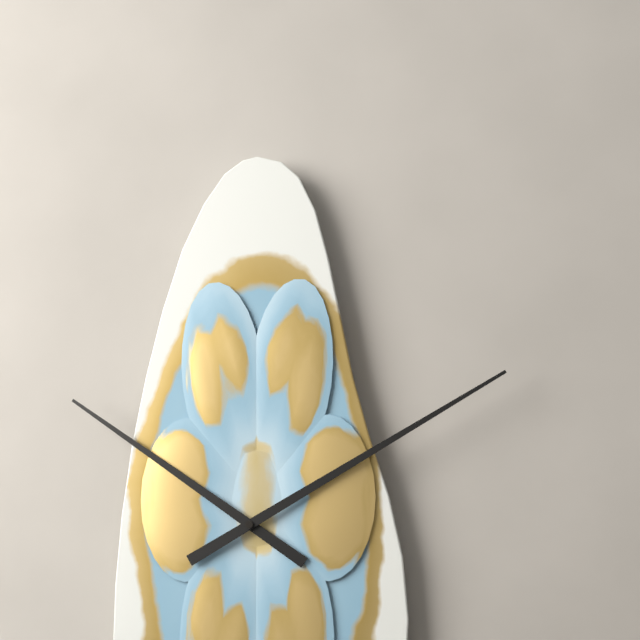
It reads 10h10
